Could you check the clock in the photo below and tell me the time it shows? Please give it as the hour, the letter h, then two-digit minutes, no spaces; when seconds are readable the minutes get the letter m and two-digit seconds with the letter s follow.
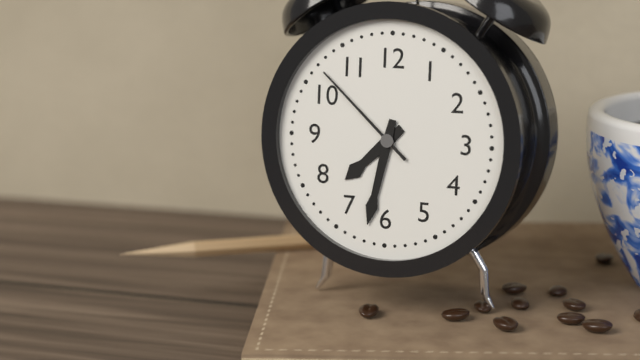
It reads 7h32m52s
